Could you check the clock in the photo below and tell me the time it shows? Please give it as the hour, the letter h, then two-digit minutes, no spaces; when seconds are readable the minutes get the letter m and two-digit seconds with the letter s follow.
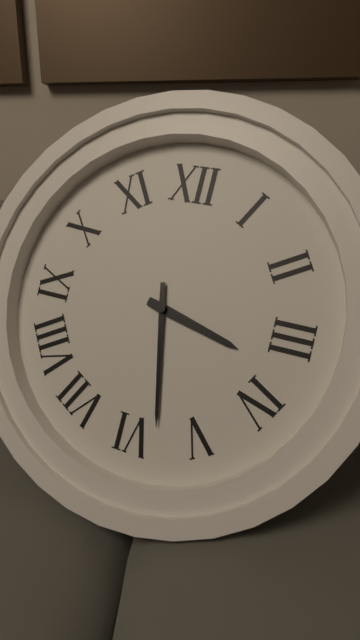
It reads 3h28
